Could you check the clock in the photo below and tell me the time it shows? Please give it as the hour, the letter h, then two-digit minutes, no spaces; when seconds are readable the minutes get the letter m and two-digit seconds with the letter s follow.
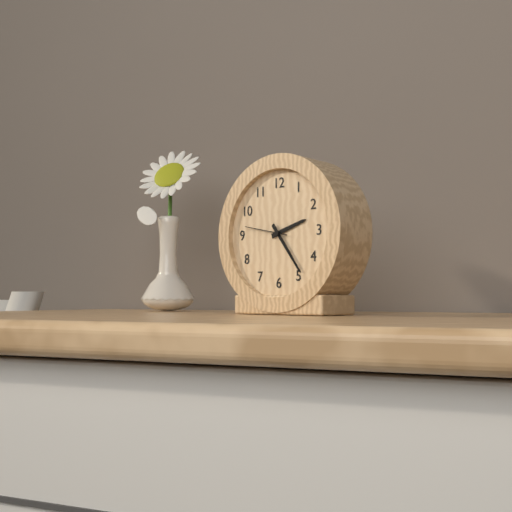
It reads 2h24
